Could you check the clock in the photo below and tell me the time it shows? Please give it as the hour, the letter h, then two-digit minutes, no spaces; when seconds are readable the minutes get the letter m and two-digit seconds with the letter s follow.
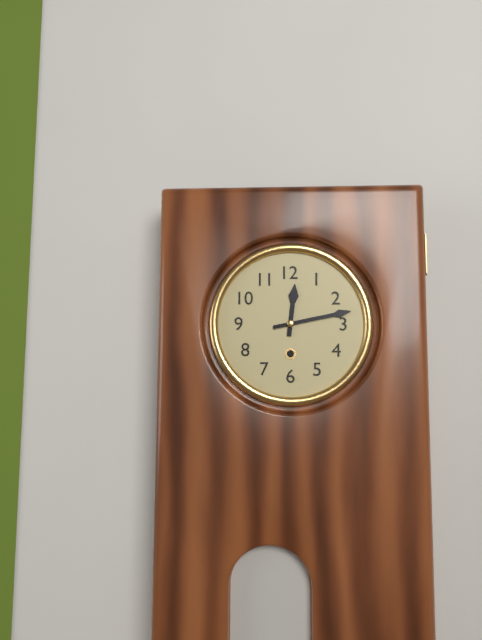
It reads 12h13
